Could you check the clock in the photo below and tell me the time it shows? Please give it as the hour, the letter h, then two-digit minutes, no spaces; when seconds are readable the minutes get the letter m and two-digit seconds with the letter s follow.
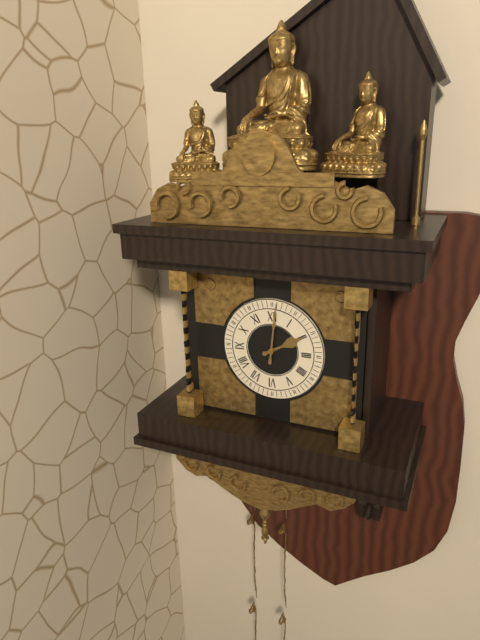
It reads 2h01
